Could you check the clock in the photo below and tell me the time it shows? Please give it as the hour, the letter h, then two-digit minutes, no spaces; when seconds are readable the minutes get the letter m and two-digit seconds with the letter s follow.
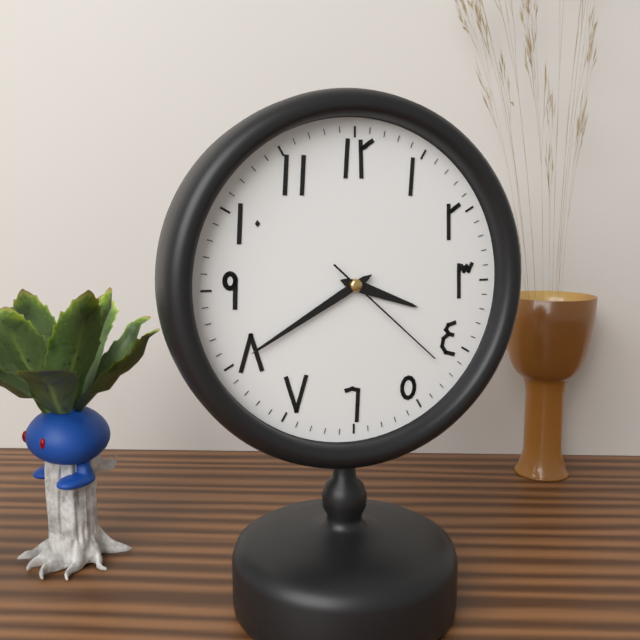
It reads 3h40m22s
